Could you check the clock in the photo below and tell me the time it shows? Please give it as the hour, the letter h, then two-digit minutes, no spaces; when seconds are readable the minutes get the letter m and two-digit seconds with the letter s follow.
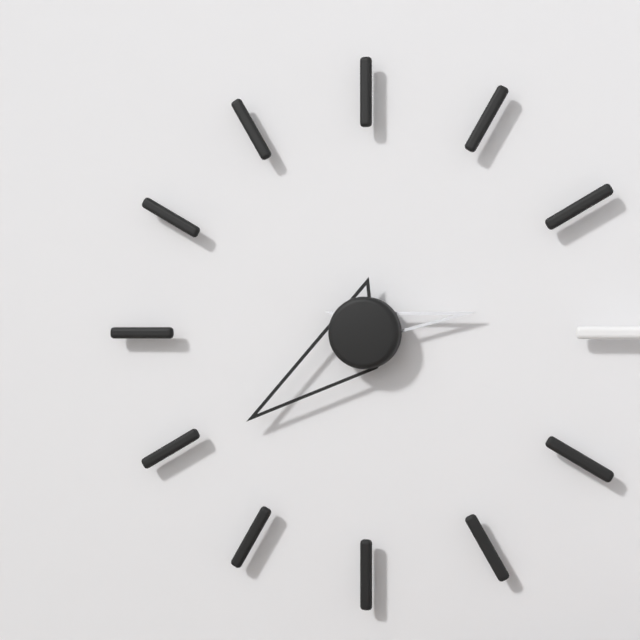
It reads 2h39
